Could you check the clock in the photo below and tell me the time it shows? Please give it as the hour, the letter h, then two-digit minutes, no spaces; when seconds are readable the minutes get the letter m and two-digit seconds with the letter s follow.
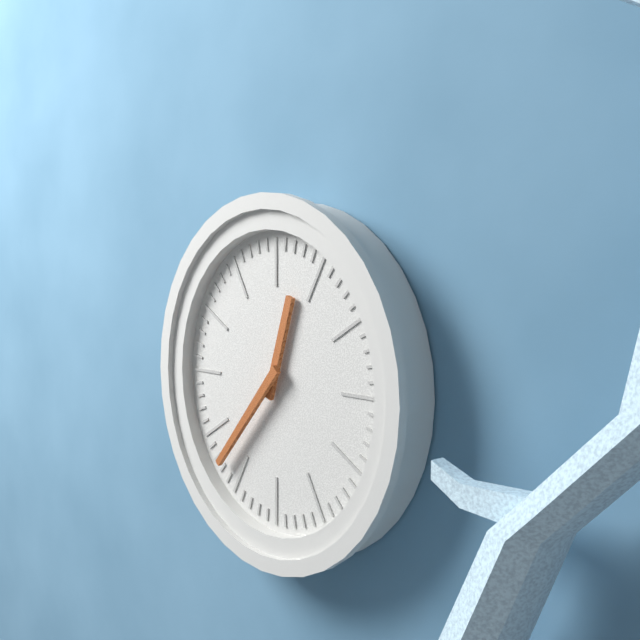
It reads 12h37
